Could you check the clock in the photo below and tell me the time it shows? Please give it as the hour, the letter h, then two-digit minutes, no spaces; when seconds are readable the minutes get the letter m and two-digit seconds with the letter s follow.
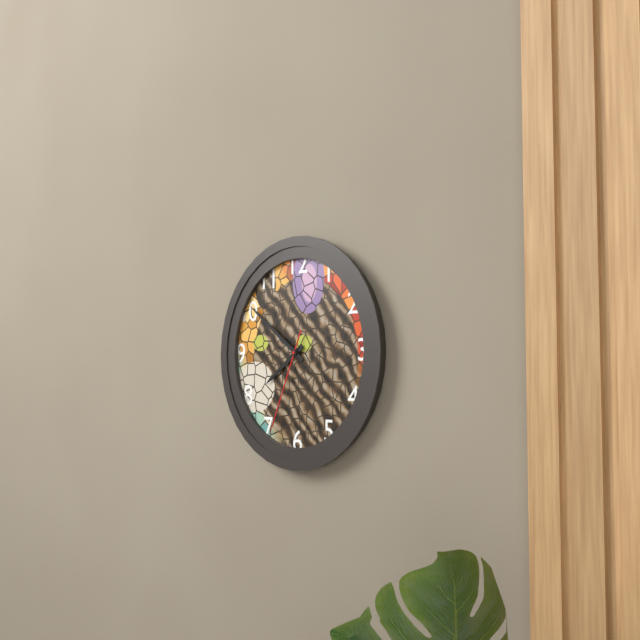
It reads 7h51m34s
